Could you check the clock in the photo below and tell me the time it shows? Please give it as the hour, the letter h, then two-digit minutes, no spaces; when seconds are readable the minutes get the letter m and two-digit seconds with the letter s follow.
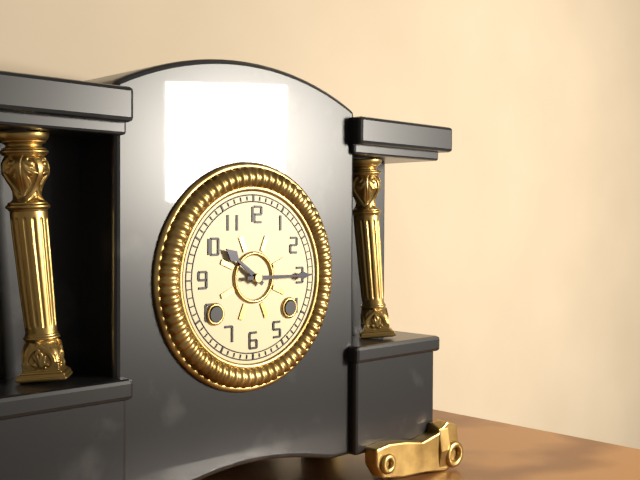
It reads 10h15
